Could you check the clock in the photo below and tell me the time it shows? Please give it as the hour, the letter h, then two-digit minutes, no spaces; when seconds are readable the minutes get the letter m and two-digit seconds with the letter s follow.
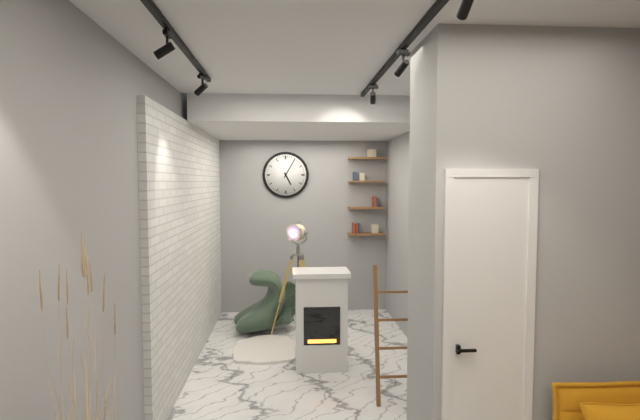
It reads 5h05
